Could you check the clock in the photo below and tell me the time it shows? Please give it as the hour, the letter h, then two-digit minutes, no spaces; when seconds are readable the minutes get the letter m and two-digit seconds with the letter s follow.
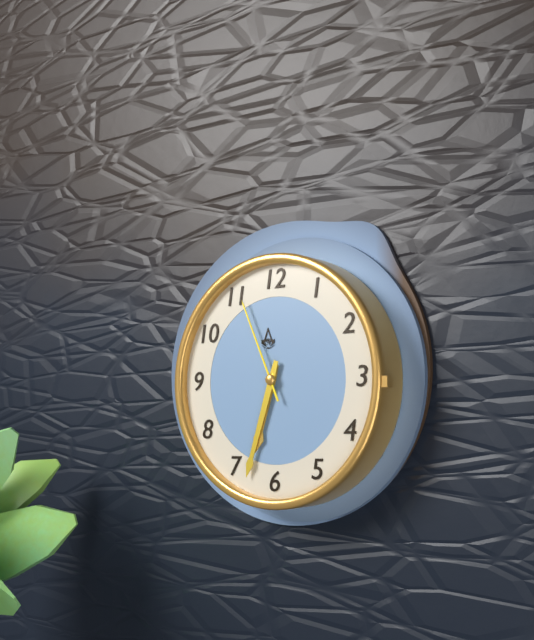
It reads 6h33m56s
